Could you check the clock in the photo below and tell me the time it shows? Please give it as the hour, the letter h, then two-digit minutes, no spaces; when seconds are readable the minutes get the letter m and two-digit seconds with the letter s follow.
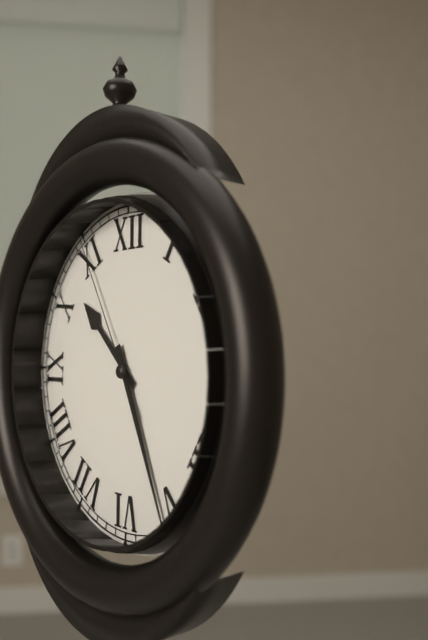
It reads 10h26m55s
